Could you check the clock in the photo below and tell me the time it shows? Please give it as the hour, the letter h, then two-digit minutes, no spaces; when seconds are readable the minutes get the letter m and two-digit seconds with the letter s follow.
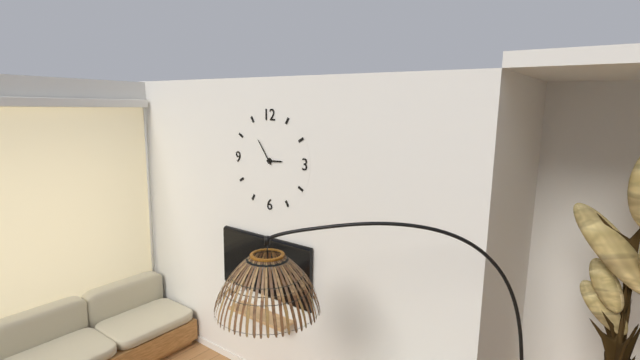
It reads 2h54
